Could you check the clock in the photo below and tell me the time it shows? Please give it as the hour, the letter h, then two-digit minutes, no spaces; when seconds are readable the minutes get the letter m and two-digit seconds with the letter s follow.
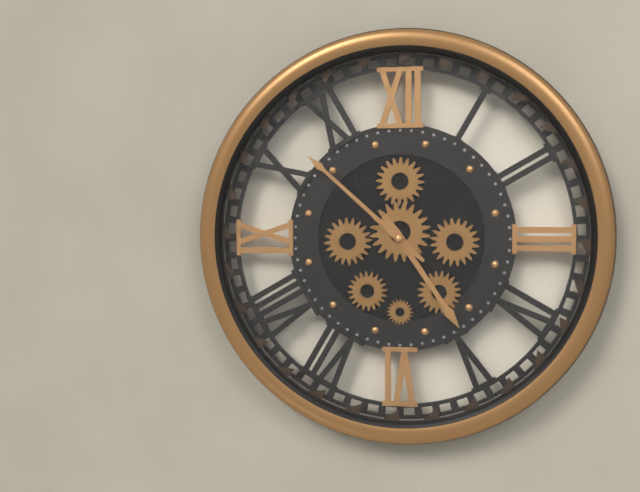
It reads 4h52
